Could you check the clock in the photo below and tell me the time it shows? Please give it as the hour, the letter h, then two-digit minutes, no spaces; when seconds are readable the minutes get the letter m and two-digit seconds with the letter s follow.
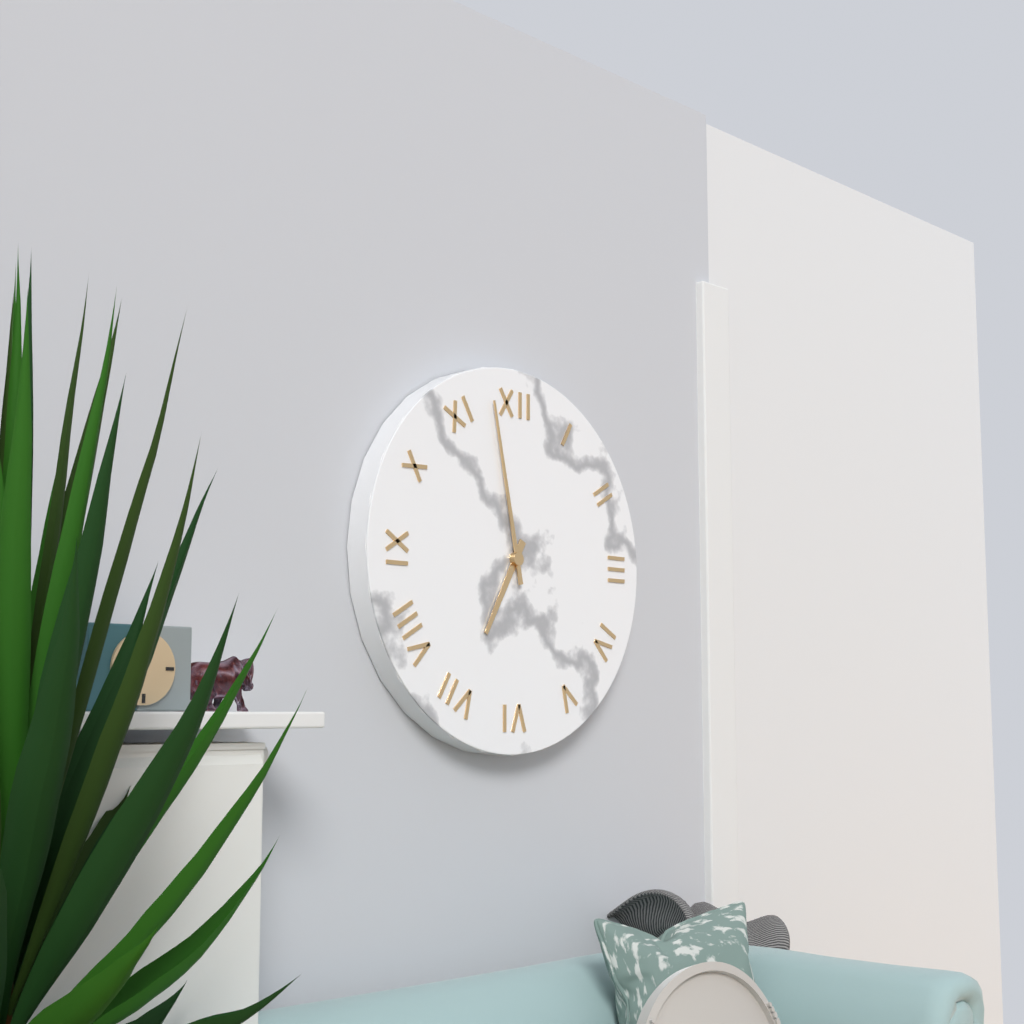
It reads 6h58
